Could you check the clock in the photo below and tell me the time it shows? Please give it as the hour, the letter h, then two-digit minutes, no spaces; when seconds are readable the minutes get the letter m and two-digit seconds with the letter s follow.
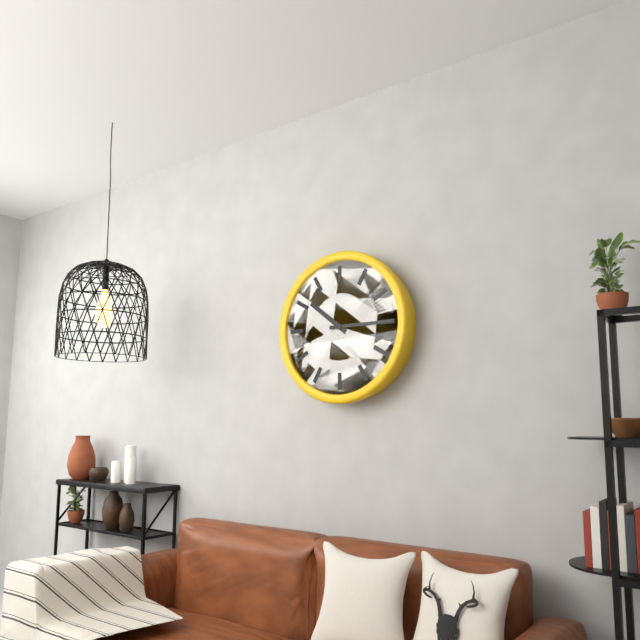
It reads 10h15
